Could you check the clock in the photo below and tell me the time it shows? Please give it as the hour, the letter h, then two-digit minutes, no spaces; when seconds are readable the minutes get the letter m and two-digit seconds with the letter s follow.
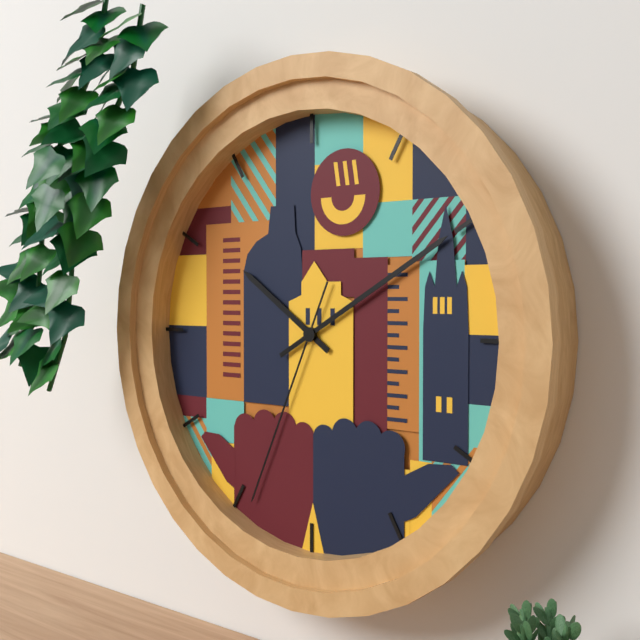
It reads 10h10m34s
